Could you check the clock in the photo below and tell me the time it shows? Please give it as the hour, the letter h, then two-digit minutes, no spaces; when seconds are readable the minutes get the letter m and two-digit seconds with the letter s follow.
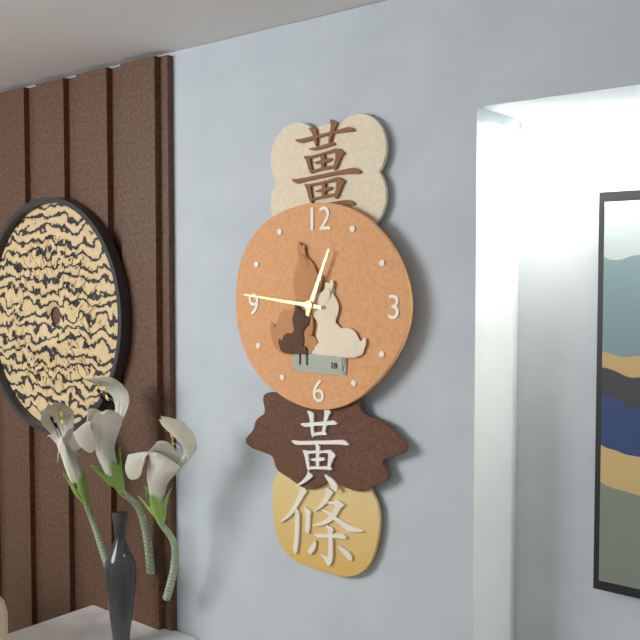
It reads 12h46
